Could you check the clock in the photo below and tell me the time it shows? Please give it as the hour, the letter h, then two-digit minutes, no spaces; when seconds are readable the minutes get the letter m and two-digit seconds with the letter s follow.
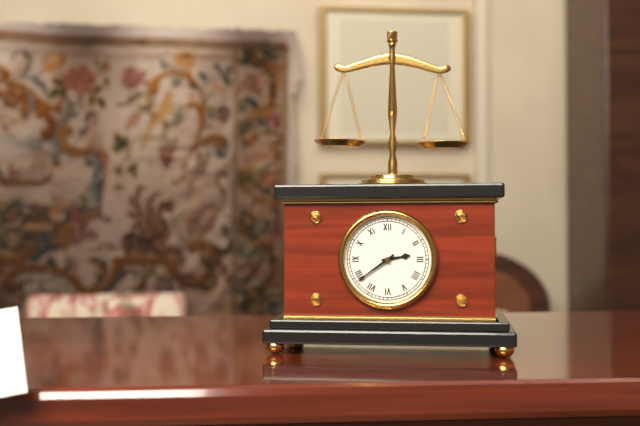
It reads 2h39
